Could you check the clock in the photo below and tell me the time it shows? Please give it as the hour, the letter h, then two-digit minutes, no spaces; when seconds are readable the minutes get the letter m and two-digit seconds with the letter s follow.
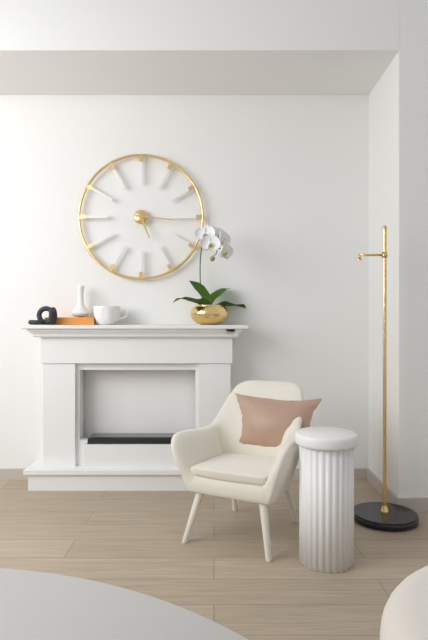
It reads 5h16
